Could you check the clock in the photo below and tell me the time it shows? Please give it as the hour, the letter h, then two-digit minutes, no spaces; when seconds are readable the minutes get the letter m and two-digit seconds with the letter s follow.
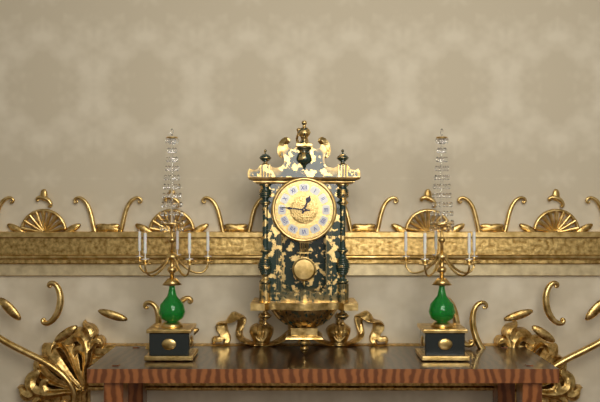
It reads 12h46
